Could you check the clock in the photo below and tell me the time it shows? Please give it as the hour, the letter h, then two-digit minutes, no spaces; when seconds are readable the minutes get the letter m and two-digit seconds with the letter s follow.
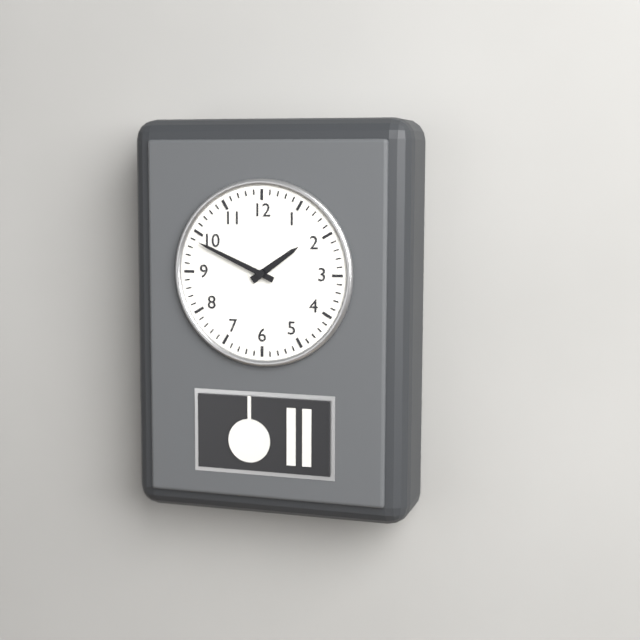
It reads 1h49
